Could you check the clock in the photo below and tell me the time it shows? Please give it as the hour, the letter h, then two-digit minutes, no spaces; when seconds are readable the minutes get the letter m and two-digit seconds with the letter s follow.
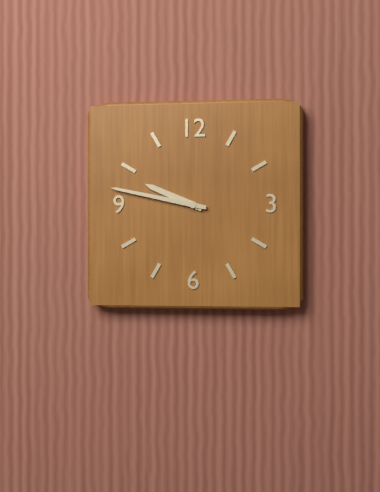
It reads 9h47
